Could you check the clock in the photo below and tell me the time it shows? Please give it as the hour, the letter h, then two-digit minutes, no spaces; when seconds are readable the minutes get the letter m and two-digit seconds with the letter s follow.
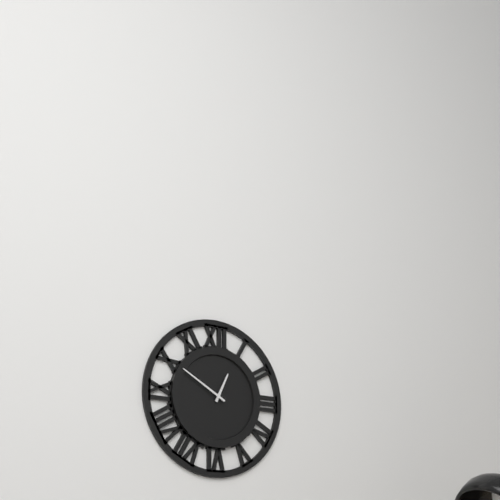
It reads 12h50
